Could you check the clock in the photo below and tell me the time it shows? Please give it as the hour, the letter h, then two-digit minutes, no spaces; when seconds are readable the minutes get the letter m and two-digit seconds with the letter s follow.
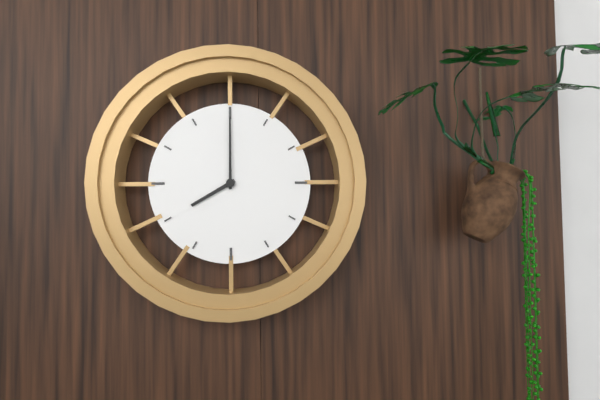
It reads 8h00
